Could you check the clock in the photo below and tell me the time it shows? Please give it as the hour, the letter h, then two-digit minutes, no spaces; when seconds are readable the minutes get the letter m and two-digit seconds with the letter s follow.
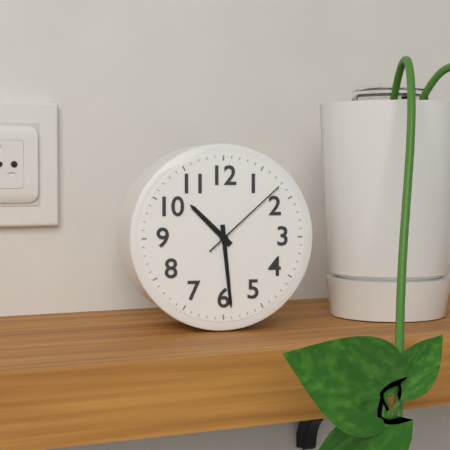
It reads 10h29m08s
